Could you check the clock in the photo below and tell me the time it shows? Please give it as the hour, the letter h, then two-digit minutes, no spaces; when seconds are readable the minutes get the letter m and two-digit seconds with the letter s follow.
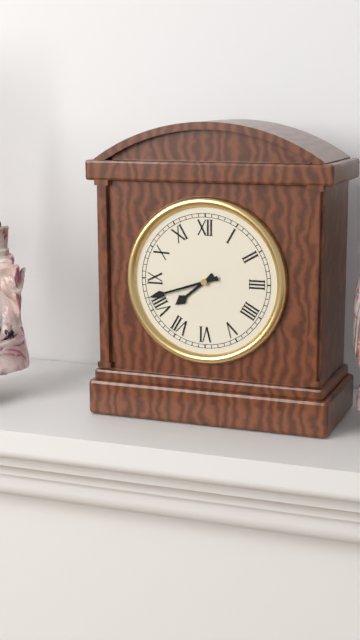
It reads 7h42
